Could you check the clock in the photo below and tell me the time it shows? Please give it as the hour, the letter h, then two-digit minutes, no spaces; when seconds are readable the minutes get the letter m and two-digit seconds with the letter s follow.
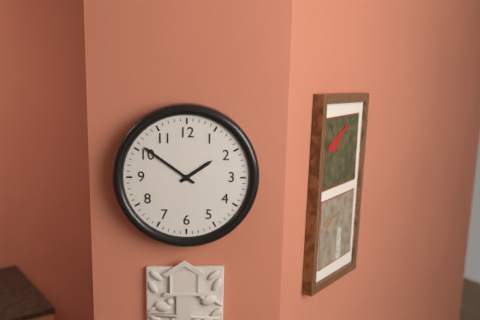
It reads 1h51
